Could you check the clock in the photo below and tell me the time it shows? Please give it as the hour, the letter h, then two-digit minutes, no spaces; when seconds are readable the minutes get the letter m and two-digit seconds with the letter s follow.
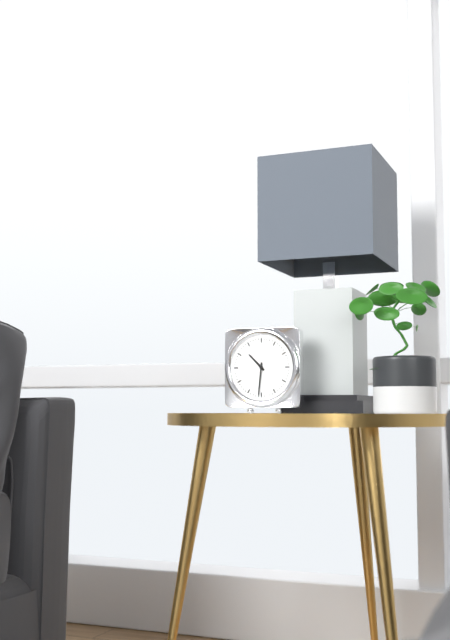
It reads 10h31
